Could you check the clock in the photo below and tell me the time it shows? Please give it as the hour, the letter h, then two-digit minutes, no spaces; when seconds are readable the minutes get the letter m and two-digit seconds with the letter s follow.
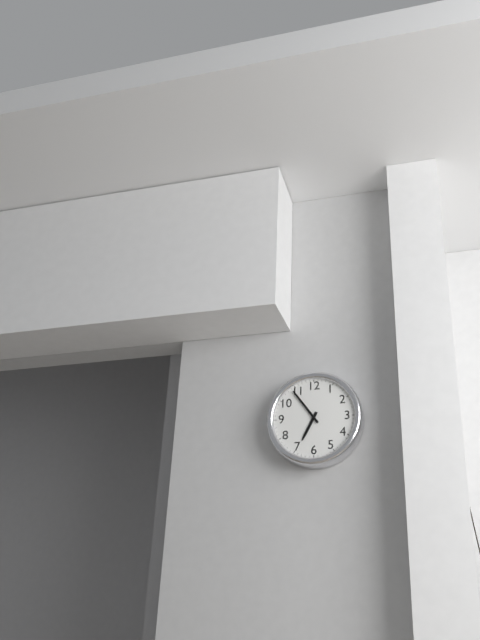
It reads 6h54
